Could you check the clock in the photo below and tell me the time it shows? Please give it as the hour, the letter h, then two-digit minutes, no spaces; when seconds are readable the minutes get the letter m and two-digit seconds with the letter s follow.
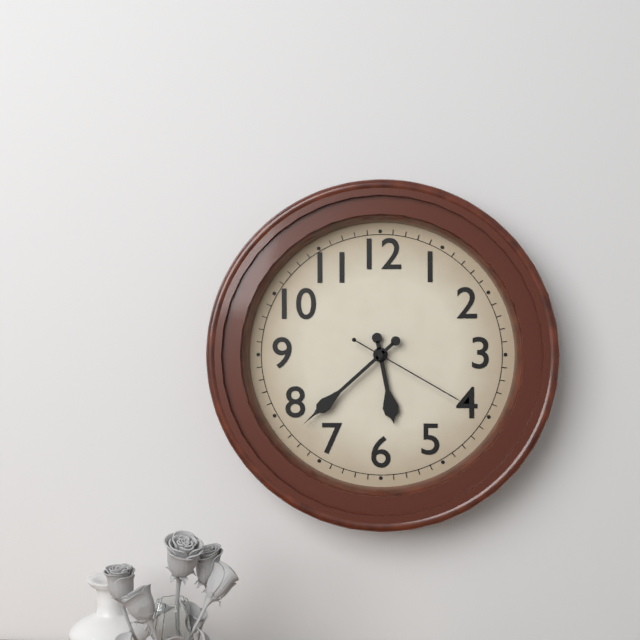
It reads 5h38m20s
